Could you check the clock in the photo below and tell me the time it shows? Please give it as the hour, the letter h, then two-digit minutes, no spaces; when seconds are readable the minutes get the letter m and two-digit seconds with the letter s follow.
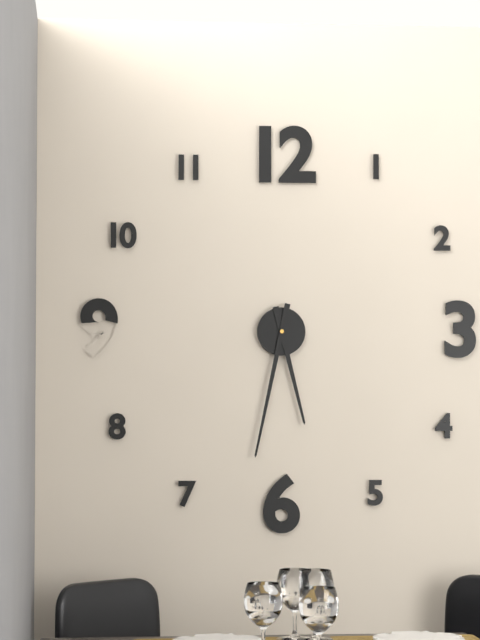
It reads 5h32
